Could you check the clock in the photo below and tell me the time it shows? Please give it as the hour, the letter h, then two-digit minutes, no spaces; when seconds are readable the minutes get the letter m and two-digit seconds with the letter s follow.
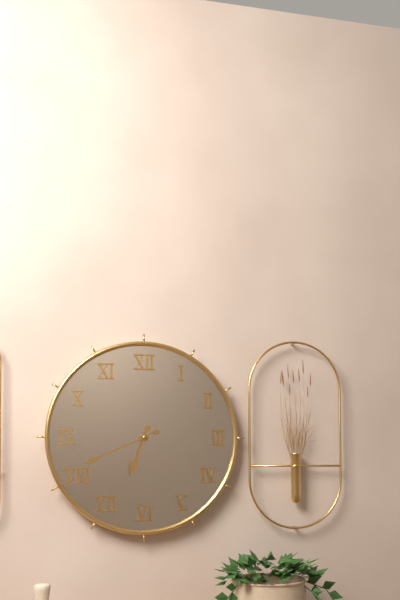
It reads 6h41
